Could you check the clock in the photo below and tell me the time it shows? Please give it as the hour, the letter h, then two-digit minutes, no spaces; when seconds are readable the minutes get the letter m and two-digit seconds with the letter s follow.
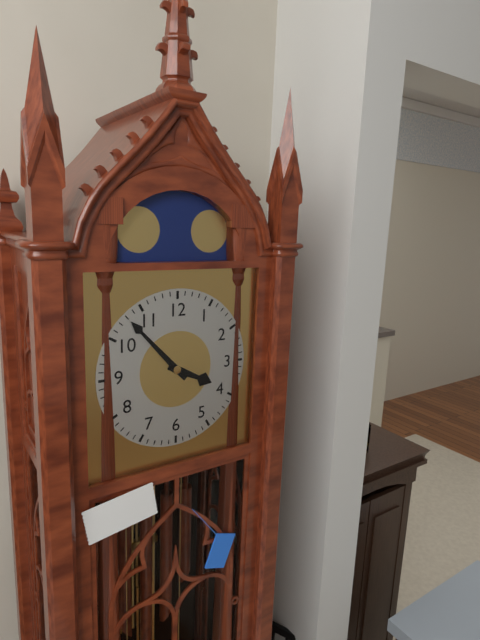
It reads 3h53
